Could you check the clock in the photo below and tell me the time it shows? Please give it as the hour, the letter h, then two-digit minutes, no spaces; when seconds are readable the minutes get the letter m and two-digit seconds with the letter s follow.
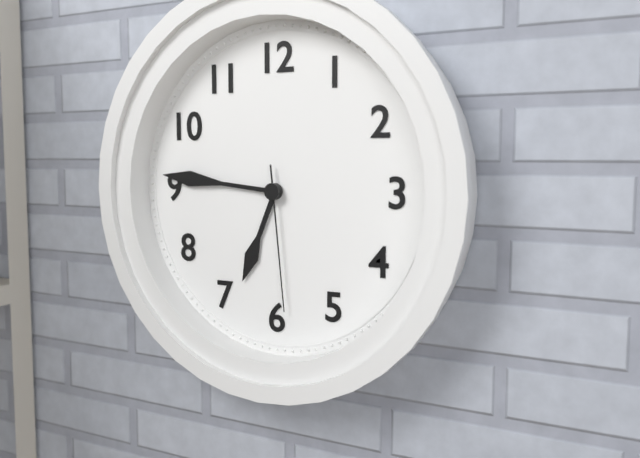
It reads 6h46m29s
